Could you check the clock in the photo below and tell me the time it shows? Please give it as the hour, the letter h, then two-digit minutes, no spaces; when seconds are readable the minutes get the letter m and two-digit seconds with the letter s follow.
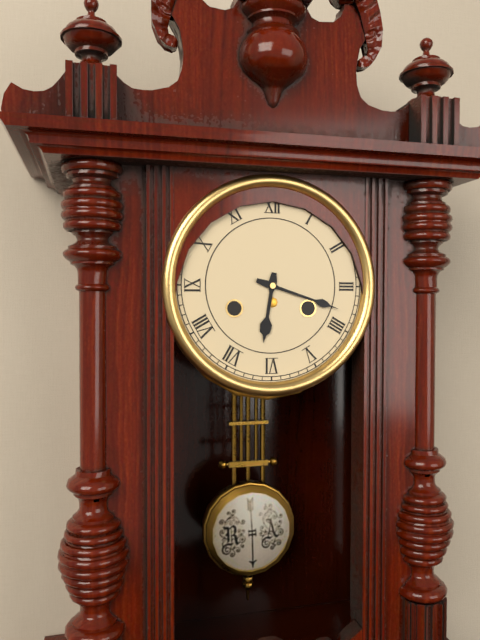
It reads 6h18
